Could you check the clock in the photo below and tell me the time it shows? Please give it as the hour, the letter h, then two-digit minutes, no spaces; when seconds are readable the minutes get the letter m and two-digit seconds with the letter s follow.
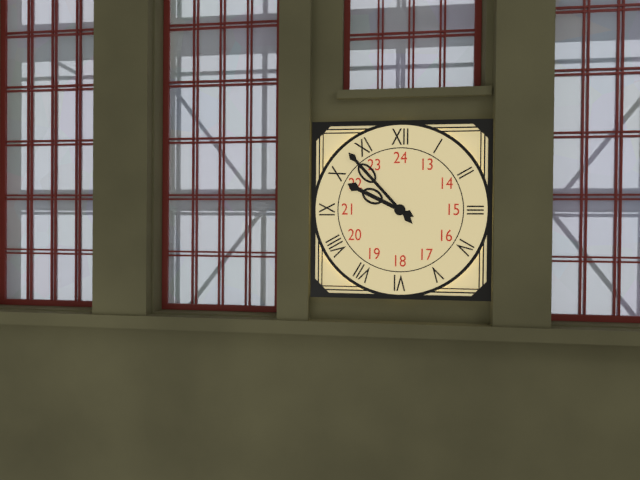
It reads 9h53
